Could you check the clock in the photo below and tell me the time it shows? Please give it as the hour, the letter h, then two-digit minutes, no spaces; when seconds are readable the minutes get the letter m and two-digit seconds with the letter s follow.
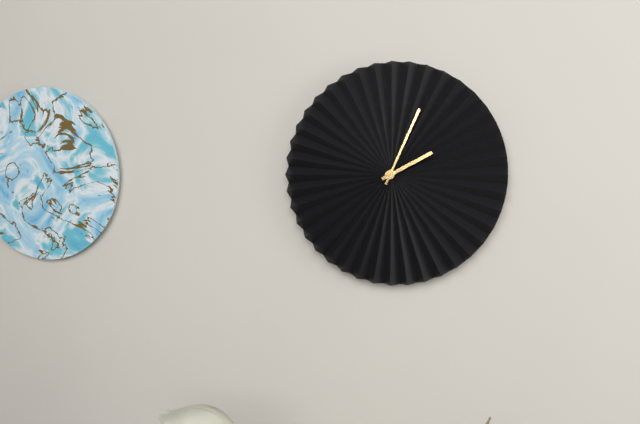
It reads 2h04
